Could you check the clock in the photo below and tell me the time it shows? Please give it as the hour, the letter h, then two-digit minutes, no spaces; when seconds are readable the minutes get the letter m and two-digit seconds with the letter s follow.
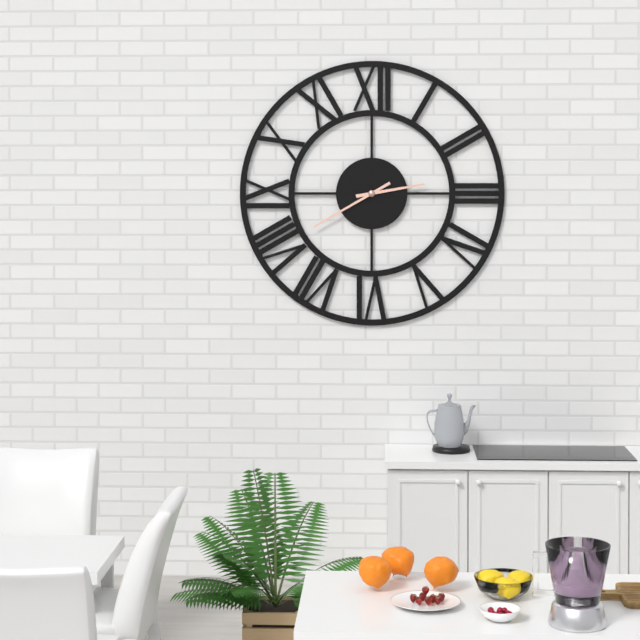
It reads 2h40
